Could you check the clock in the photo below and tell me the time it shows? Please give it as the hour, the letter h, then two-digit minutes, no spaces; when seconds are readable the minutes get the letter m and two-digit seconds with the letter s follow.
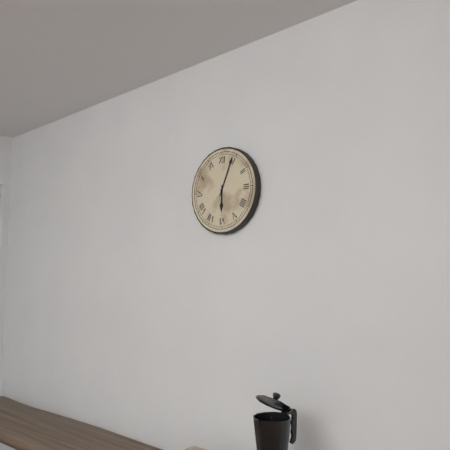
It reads 6h04
